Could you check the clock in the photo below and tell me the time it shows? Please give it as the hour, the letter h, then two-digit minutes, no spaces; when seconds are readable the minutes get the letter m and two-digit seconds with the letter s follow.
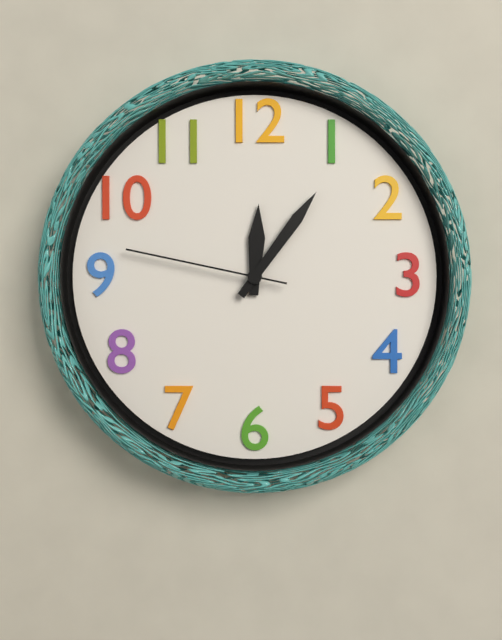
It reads 12h06m47s
